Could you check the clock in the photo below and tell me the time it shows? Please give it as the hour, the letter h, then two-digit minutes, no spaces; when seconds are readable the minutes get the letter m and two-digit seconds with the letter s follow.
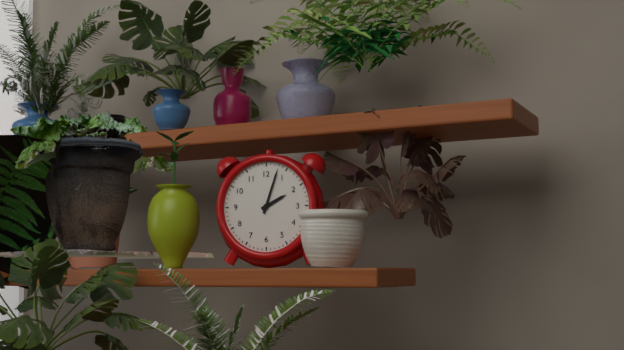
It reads 2h03
